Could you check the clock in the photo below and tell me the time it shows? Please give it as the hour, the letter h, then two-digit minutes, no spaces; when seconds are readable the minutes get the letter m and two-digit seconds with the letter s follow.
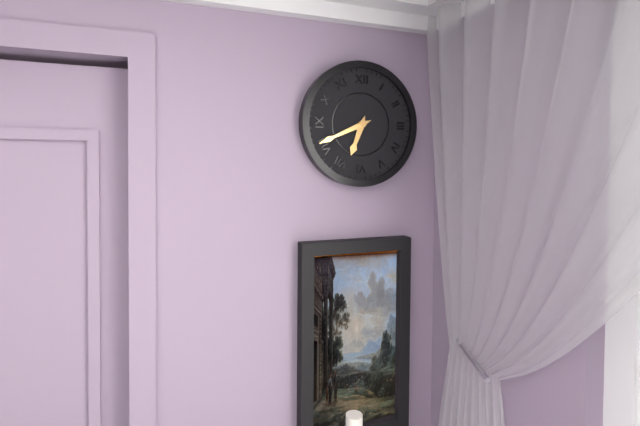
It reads 6h41
